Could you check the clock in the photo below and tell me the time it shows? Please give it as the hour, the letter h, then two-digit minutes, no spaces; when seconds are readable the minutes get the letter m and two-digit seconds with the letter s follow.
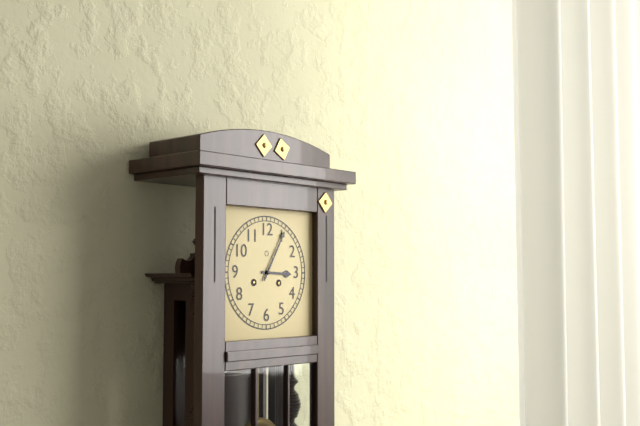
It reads 3h05
